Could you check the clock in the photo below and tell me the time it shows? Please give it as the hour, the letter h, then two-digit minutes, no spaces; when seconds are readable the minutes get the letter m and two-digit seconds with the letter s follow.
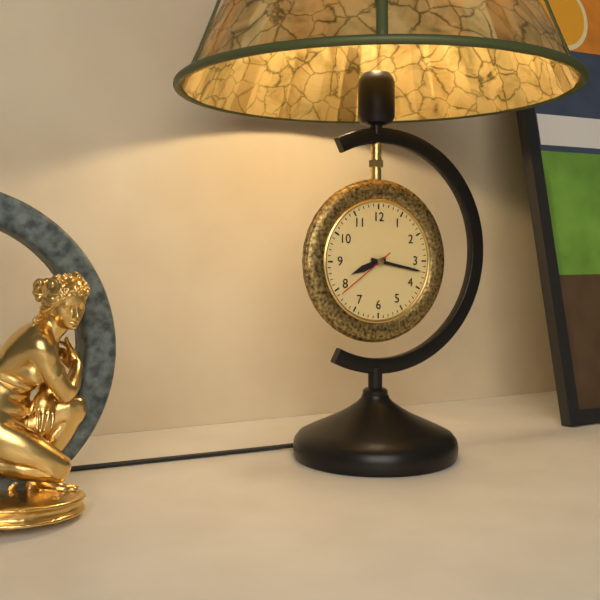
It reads 8h17m39s
